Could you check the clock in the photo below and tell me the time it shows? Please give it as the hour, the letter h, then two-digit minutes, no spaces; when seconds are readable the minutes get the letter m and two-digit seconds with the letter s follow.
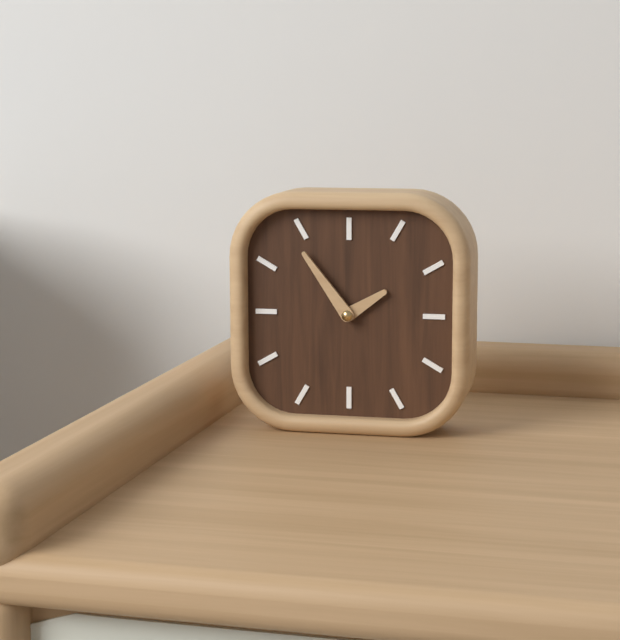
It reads 1h54
